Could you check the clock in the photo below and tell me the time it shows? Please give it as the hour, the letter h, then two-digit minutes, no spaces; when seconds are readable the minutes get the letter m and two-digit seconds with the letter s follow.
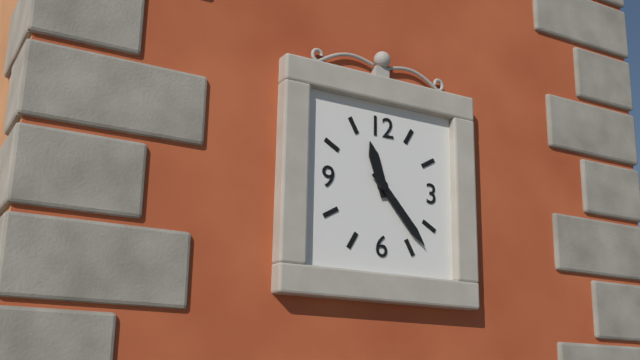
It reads 11h23
